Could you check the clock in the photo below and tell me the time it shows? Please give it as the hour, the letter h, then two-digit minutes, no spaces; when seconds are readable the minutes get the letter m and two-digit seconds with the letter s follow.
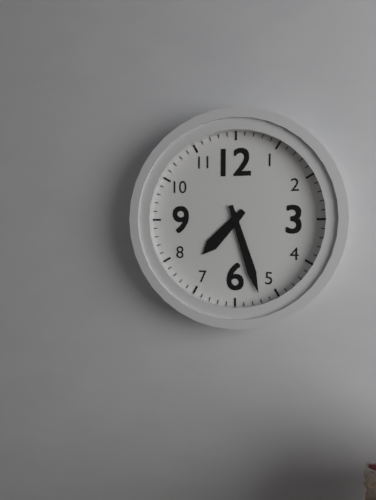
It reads 7h27
